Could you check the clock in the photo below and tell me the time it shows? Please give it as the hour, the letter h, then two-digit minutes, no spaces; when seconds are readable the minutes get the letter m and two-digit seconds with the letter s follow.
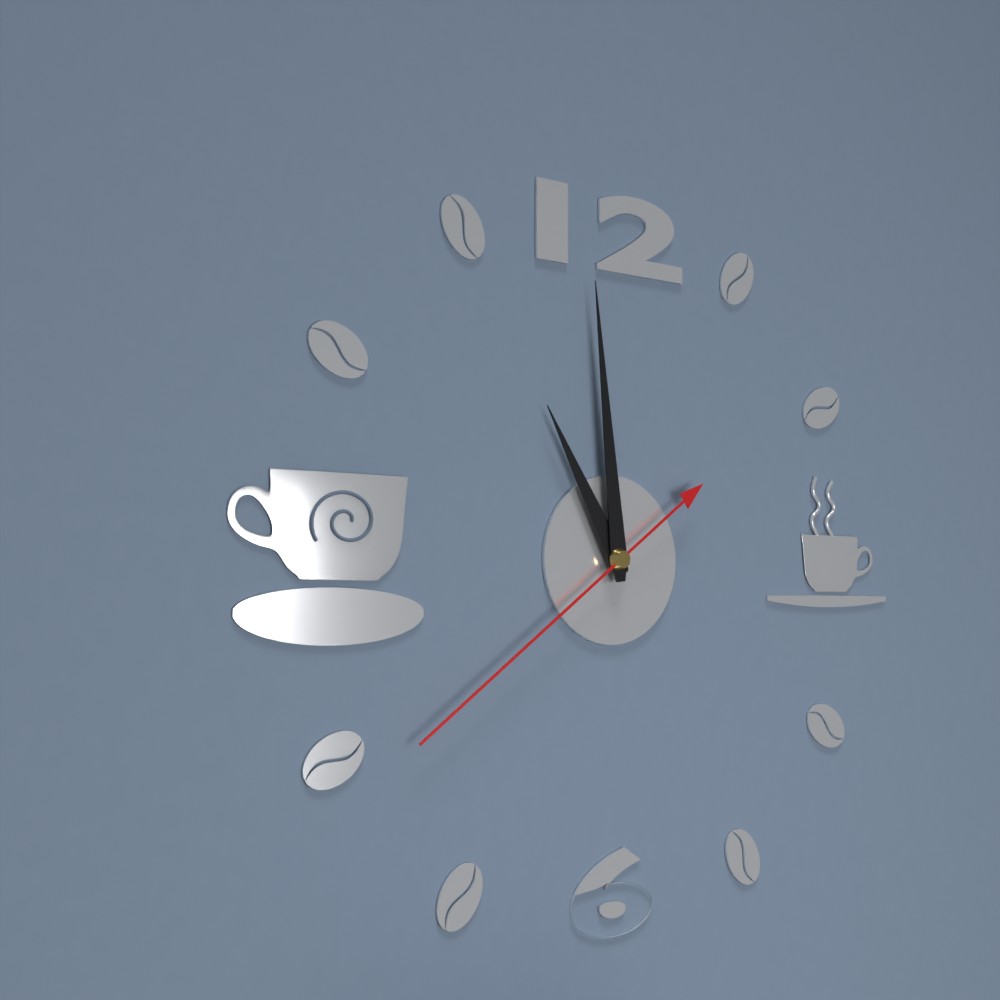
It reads 10h59m39s
